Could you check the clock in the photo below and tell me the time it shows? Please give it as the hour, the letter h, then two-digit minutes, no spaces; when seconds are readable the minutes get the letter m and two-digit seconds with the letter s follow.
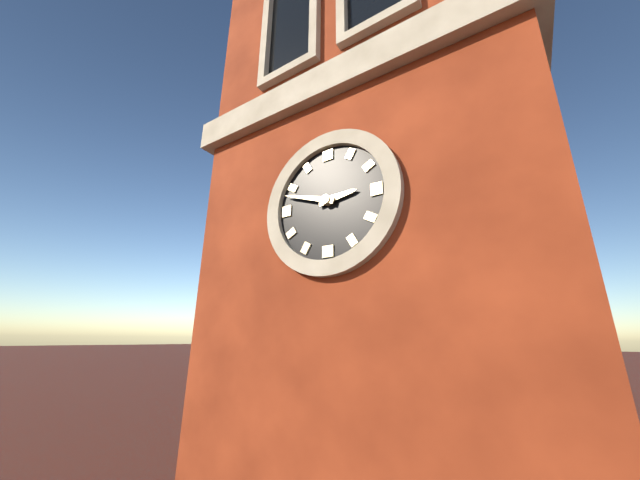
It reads 2h48
